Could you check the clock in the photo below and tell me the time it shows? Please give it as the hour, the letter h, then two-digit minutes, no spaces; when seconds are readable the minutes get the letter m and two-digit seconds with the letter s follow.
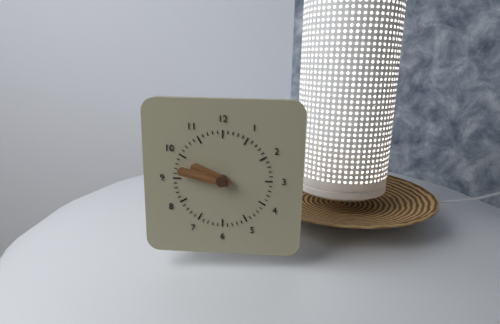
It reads 9h47
